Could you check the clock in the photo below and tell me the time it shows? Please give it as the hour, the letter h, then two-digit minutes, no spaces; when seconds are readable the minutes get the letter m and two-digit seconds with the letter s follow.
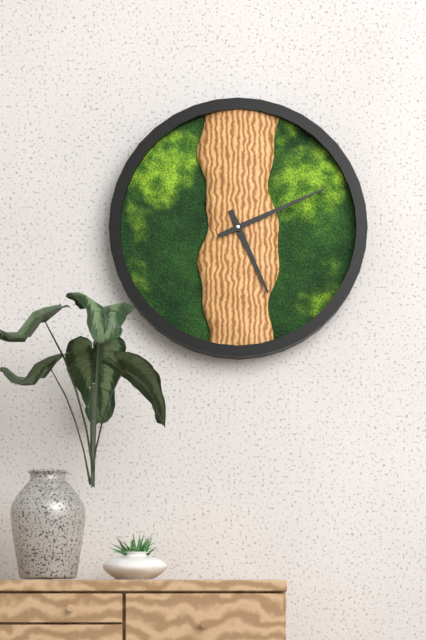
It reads 5h11
